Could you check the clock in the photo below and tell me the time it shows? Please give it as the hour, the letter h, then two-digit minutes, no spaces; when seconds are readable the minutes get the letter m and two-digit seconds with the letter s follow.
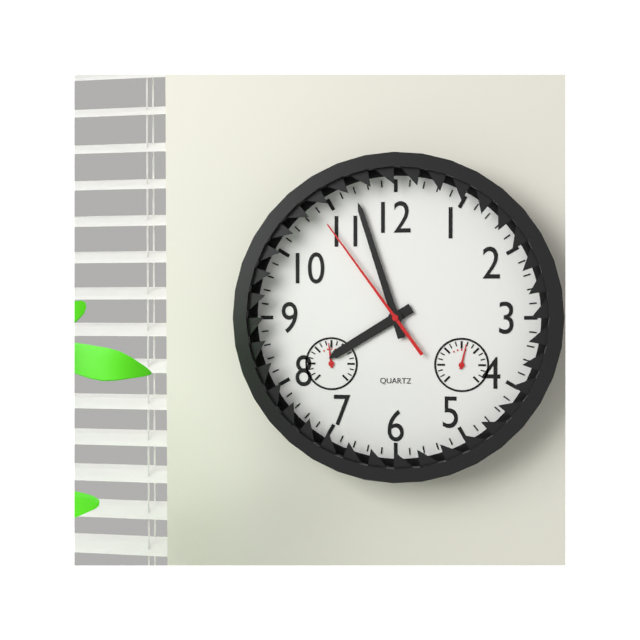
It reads 7h57m54s
